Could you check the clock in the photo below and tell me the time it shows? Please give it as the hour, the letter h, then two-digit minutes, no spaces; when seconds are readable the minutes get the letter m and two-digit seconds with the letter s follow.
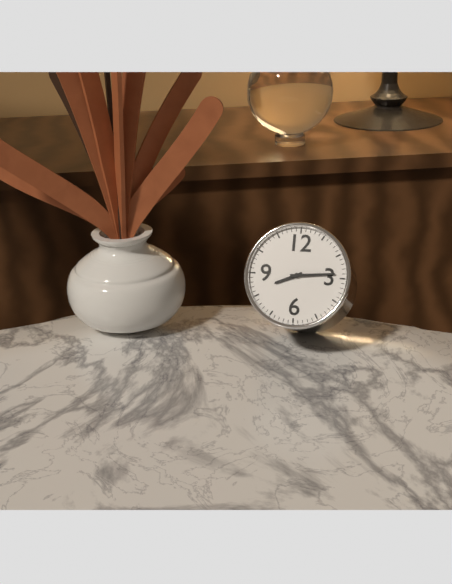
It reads 8h14
